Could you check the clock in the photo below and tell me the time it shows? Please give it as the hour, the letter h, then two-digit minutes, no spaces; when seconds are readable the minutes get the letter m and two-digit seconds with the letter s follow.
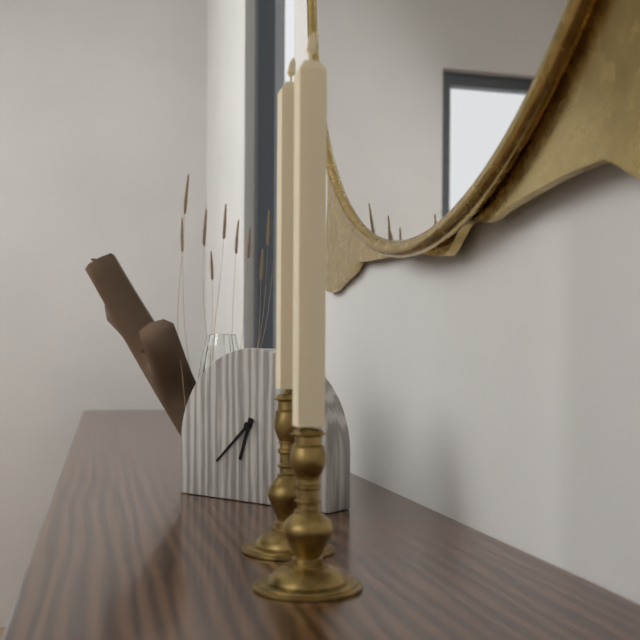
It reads 6h38
